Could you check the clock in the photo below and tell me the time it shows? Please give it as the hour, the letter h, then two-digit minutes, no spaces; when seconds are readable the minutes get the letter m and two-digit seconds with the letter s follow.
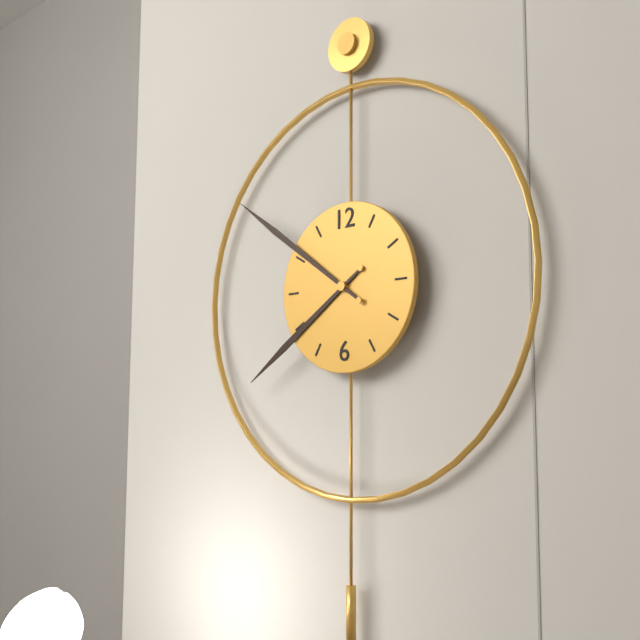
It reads 7h51
